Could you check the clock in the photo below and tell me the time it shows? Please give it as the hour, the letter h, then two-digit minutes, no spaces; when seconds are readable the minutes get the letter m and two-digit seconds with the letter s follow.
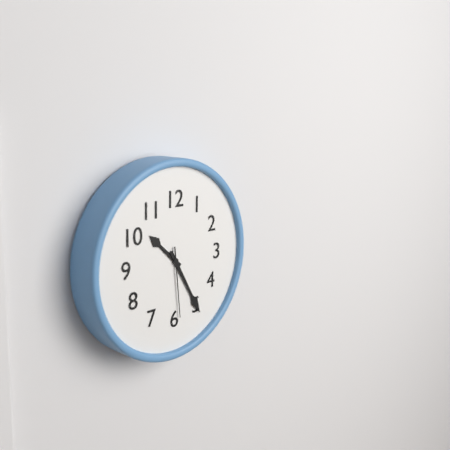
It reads 10h25m29s
